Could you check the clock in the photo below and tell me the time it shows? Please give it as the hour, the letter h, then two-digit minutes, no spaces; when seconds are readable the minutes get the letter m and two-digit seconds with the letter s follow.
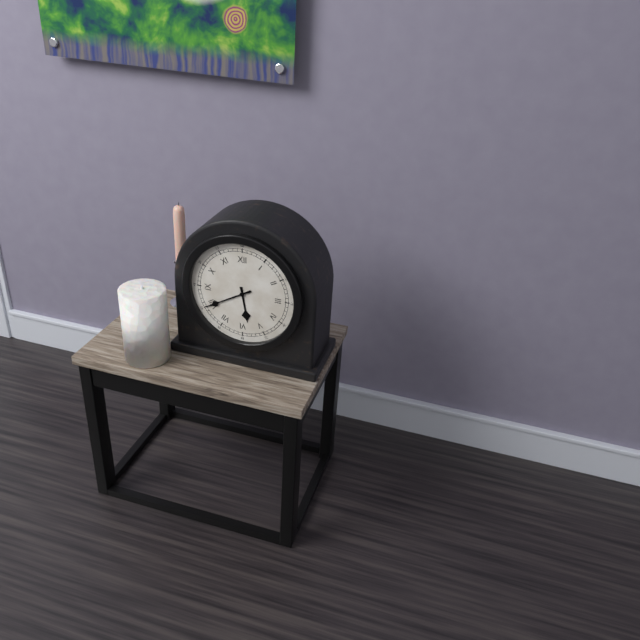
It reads 5h40
